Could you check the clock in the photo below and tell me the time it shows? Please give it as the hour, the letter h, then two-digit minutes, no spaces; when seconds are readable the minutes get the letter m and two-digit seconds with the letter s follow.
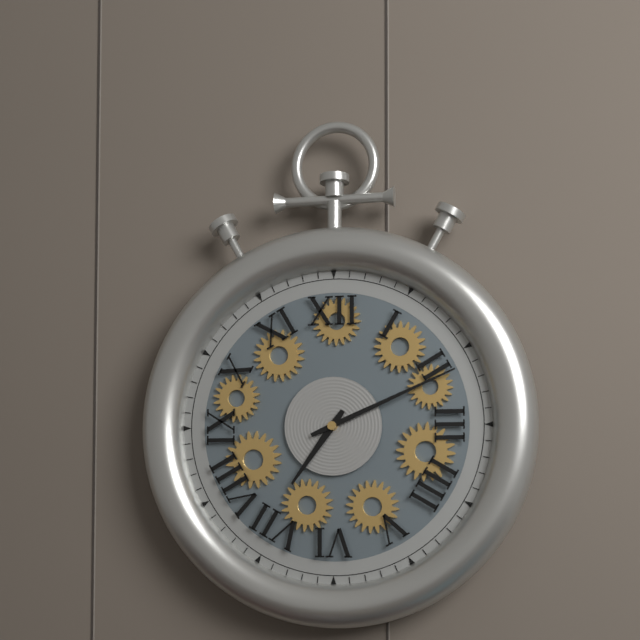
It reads 7h11
